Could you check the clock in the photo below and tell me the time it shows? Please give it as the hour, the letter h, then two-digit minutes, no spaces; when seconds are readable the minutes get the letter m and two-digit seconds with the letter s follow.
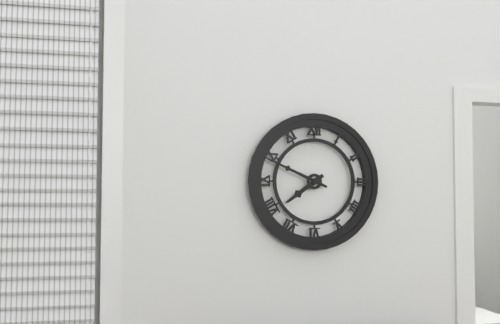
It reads 7h49
